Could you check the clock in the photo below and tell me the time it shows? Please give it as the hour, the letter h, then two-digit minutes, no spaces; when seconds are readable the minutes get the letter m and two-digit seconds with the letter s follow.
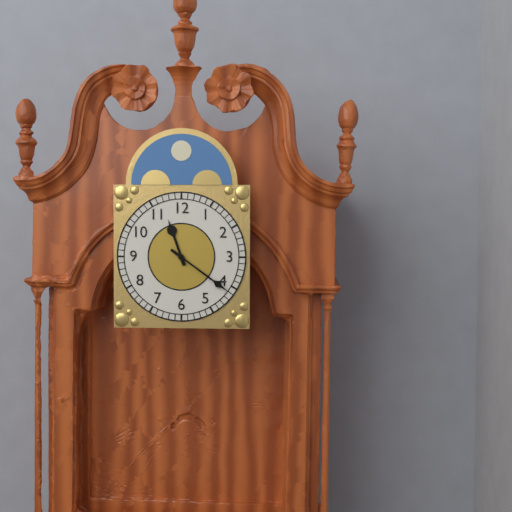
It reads 11h21
